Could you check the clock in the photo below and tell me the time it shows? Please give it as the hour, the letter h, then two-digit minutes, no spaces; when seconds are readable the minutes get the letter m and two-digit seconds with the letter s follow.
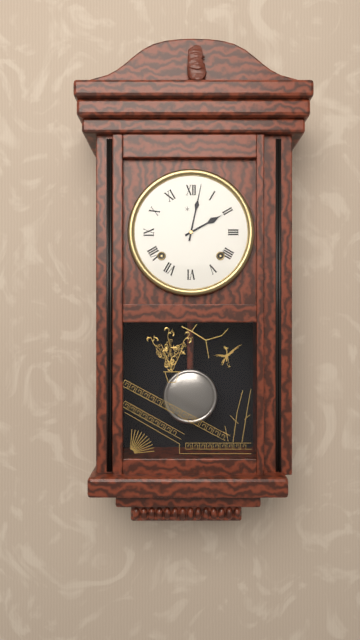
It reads 2h02
